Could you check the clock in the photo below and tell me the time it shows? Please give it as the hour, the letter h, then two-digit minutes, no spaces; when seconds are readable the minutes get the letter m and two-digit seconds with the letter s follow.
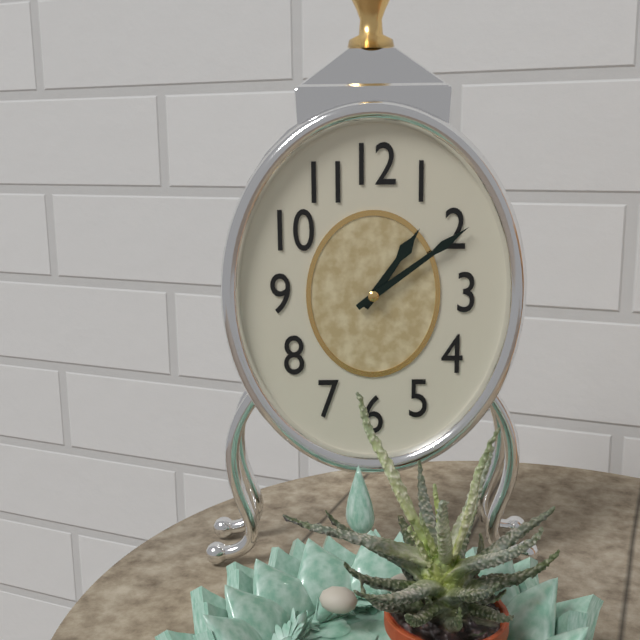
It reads 1h09
